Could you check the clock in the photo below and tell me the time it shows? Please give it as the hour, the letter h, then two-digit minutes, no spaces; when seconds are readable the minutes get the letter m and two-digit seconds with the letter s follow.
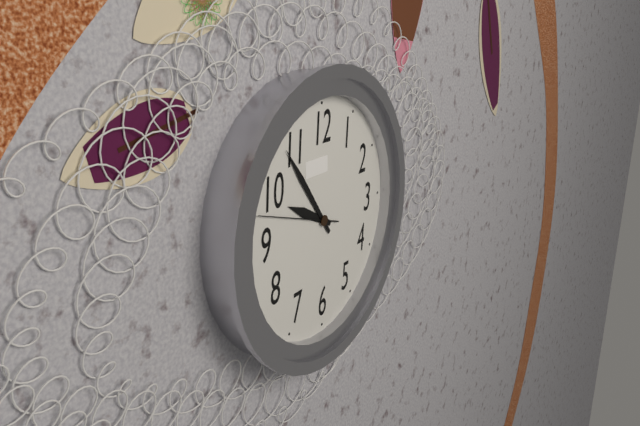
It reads 9h54m48s
